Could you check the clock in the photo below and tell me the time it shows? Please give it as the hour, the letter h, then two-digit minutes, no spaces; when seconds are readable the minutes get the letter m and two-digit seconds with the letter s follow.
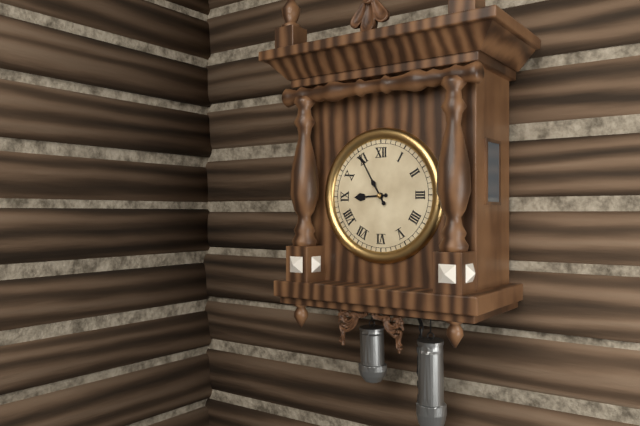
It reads 8h55
